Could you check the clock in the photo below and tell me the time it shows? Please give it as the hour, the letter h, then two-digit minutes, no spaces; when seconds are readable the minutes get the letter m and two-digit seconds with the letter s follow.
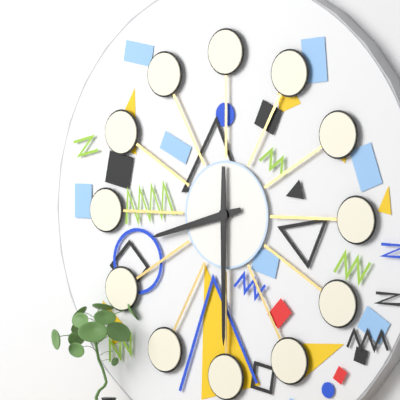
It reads 8h30
